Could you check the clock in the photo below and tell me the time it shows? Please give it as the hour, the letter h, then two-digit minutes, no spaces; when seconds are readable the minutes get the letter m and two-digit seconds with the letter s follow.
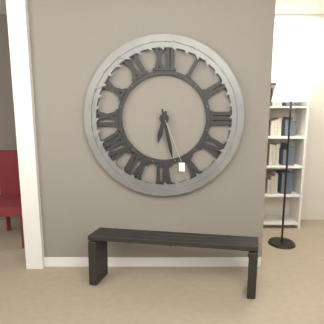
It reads 6h28
